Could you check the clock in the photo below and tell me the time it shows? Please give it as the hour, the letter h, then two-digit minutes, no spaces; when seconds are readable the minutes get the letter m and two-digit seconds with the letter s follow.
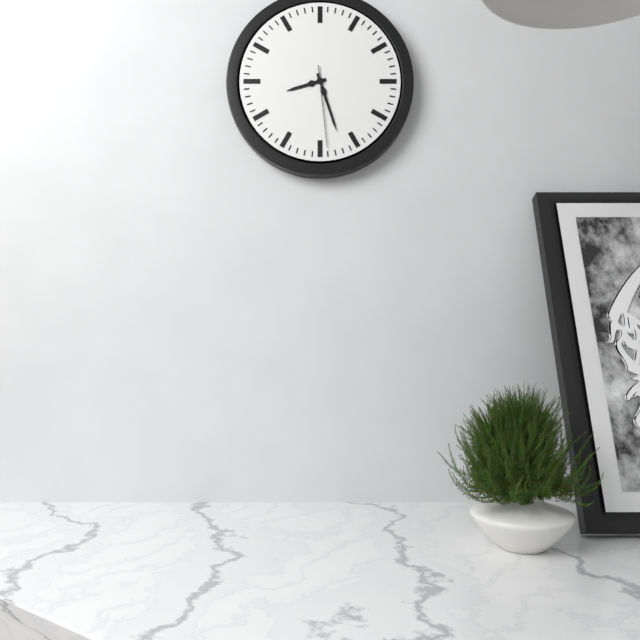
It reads 8h27m29s
